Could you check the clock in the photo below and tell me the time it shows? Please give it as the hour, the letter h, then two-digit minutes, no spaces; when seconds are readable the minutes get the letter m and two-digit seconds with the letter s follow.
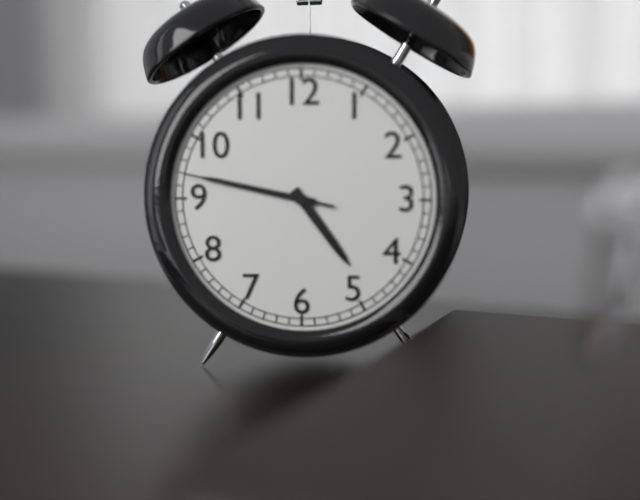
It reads 4h47m47s
